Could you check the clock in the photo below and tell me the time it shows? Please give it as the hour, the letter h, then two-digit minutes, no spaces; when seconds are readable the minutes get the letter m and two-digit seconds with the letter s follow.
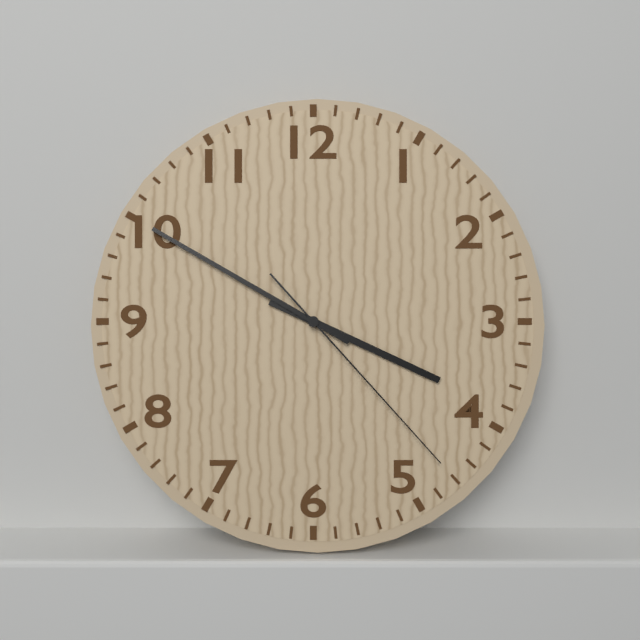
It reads 3h50m23s
